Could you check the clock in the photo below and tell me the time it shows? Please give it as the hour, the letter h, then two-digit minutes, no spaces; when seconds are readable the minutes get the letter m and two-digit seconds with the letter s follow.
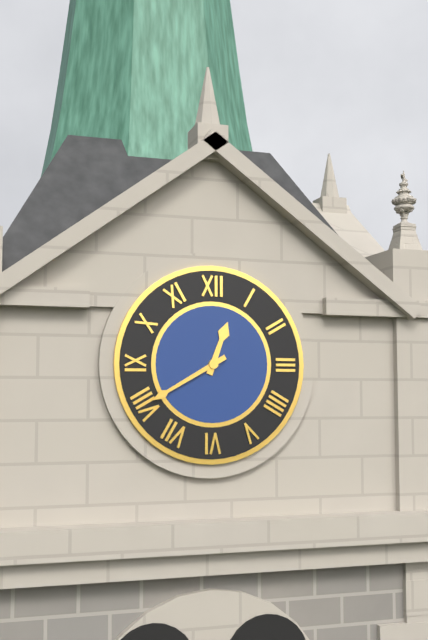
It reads 12h40
